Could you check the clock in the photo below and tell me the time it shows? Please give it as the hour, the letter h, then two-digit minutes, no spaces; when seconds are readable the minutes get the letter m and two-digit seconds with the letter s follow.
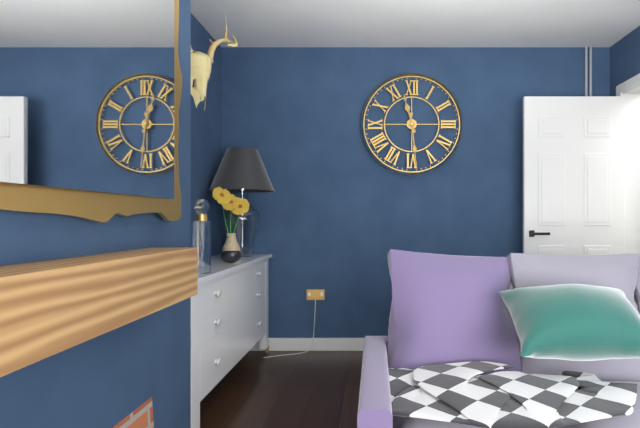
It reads 11h29
